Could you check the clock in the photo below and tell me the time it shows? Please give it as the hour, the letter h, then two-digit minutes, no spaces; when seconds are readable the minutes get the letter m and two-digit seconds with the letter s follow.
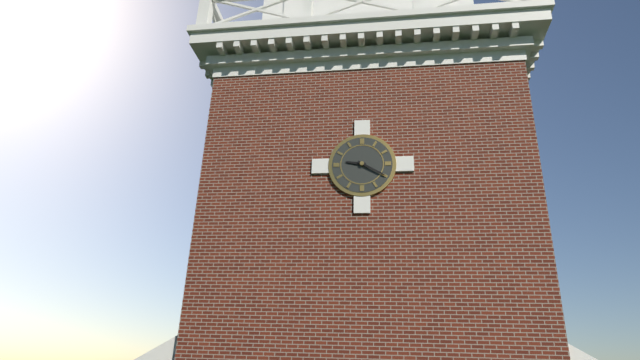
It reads 9h20
